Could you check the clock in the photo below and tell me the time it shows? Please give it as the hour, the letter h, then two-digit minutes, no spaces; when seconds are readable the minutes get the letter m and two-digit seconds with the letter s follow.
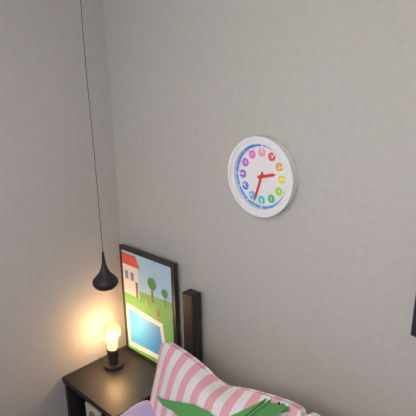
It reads 2h33
